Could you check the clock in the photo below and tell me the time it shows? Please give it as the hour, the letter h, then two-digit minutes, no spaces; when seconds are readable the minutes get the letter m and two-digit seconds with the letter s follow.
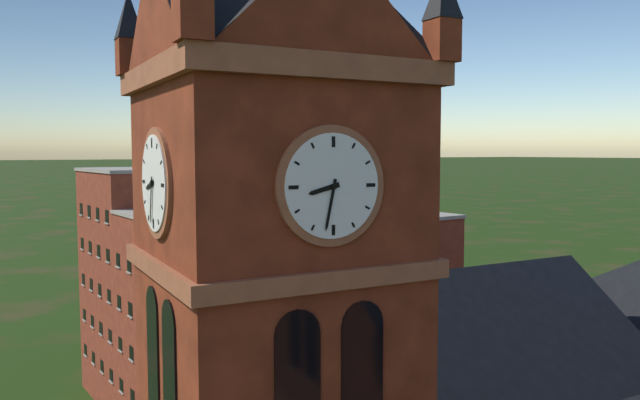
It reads 8h32
